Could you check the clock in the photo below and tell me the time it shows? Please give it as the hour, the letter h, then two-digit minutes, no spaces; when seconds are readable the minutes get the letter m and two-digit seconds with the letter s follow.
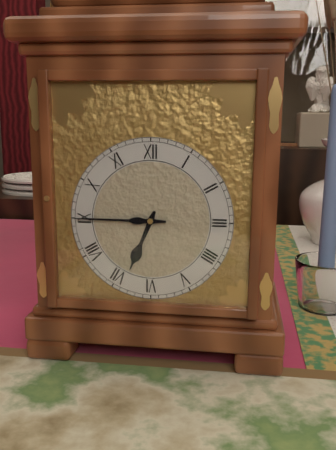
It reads 6h45
